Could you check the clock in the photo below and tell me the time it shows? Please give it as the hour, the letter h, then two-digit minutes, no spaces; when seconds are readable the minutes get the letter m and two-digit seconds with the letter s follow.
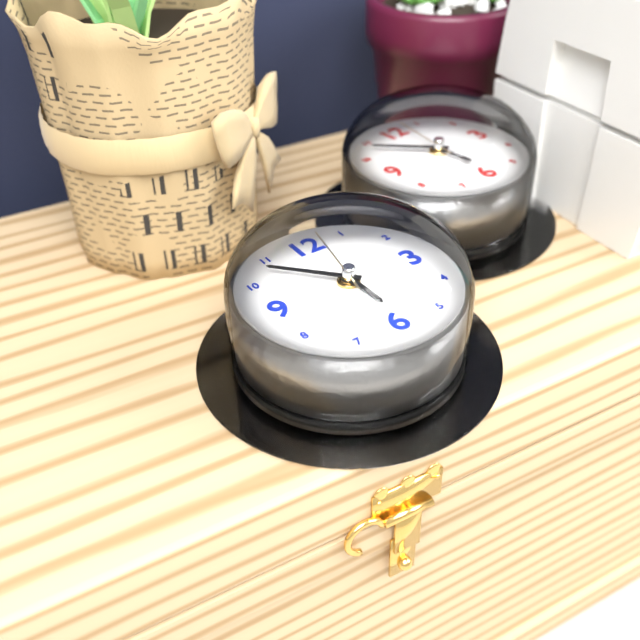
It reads 5h53m02s
